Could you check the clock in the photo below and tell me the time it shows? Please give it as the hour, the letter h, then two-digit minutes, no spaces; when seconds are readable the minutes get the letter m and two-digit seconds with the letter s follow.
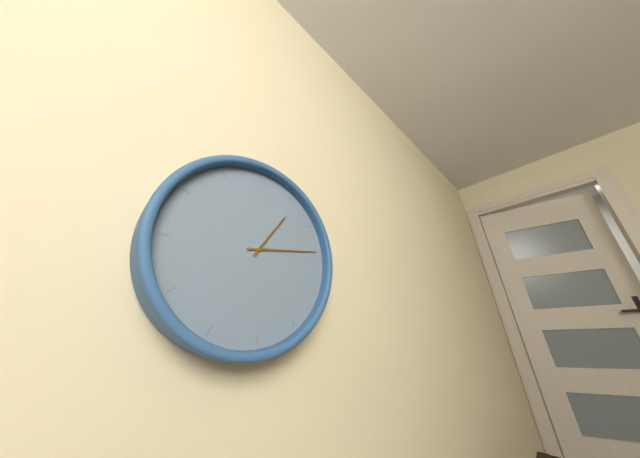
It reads 1h14
